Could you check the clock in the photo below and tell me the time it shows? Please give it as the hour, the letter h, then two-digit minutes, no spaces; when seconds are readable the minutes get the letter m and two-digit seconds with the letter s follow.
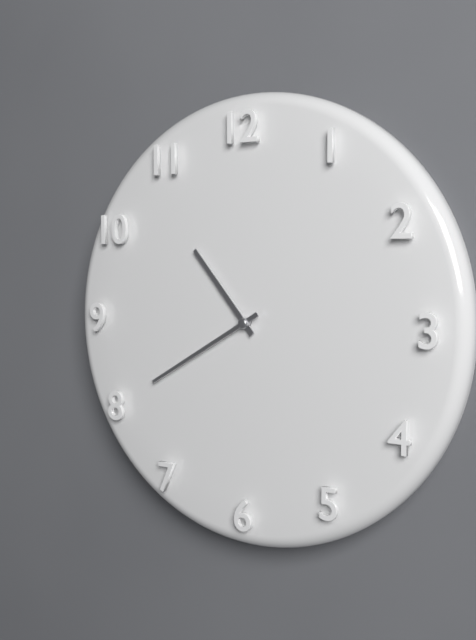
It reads 10h40
